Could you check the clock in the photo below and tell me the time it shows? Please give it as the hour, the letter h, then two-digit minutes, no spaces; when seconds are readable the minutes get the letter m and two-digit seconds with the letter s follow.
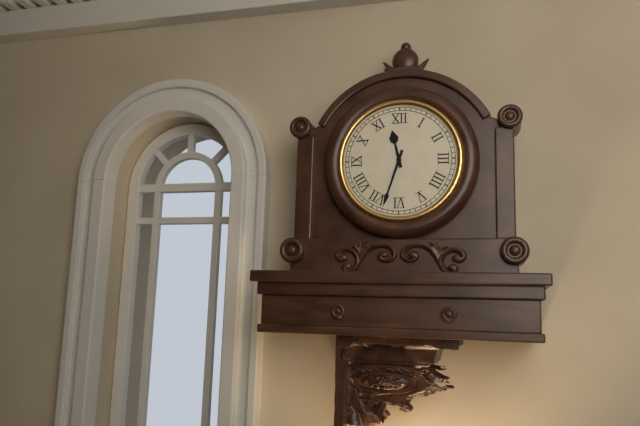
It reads 11h33
